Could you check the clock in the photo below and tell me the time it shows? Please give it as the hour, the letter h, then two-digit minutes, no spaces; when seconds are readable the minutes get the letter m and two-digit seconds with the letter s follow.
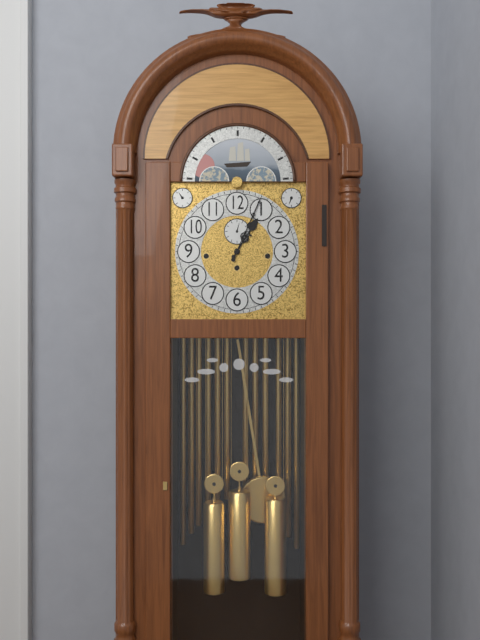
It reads 1h04
